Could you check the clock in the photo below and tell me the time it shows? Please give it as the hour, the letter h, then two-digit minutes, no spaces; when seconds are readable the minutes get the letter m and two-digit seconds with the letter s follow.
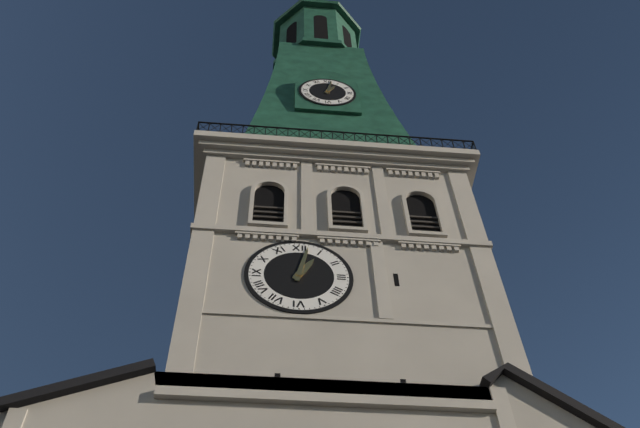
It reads 1h02
